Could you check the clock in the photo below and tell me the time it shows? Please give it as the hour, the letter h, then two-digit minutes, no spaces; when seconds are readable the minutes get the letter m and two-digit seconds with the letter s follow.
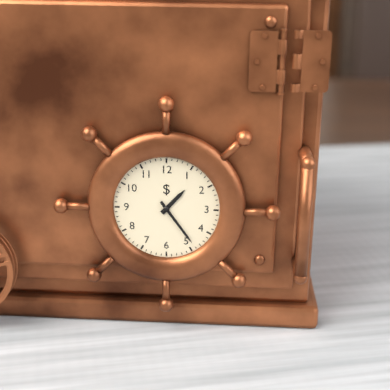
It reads 1h24
